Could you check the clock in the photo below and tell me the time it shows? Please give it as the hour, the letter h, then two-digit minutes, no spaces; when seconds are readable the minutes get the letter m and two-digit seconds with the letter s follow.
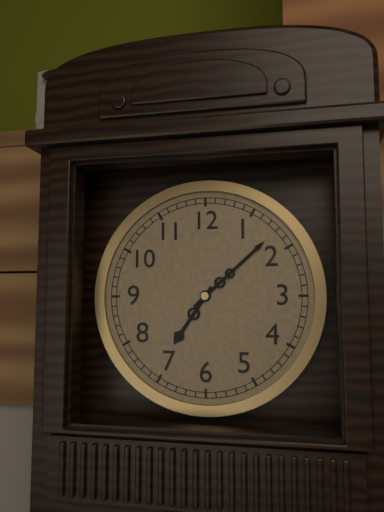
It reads 7h08
